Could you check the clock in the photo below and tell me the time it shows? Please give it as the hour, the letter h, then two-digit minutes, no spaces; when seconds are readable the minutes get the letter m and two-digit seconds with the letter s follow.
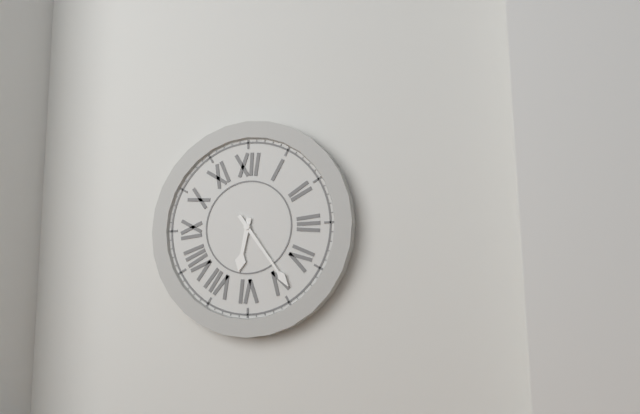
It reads 6h24
